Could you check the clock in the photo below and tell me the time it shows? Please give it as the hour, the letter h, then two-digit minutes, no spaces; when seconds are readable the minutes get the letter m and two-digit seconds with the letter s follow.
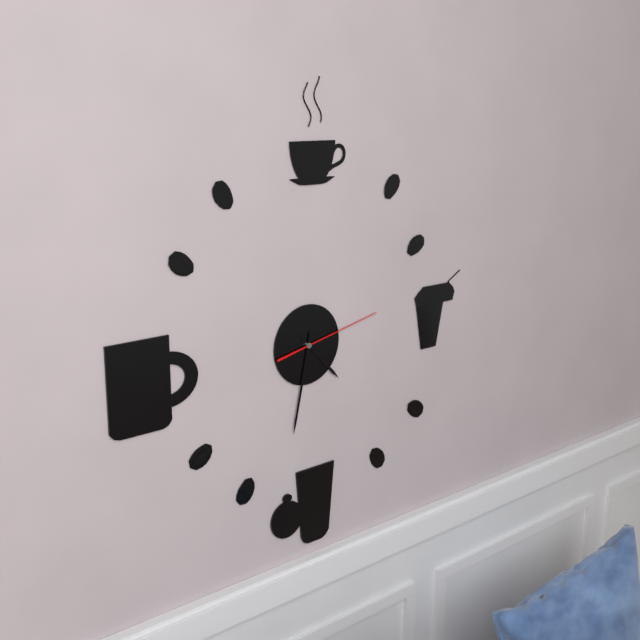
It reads 4h32m13s
